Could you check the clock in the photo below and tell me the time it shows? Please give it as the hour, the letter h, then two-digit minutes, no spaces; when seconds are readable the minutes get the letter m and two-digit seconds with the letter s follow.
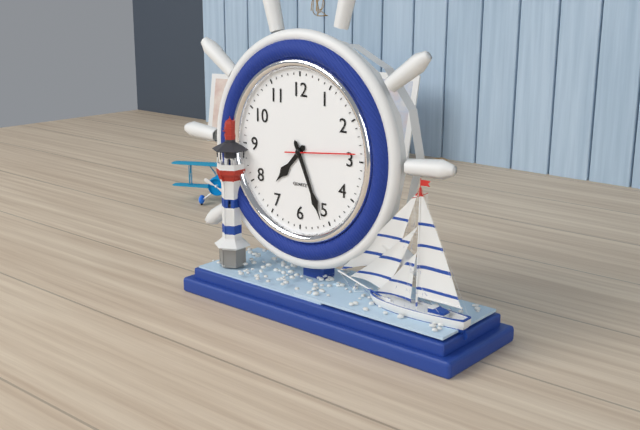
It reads 7h26m14s
